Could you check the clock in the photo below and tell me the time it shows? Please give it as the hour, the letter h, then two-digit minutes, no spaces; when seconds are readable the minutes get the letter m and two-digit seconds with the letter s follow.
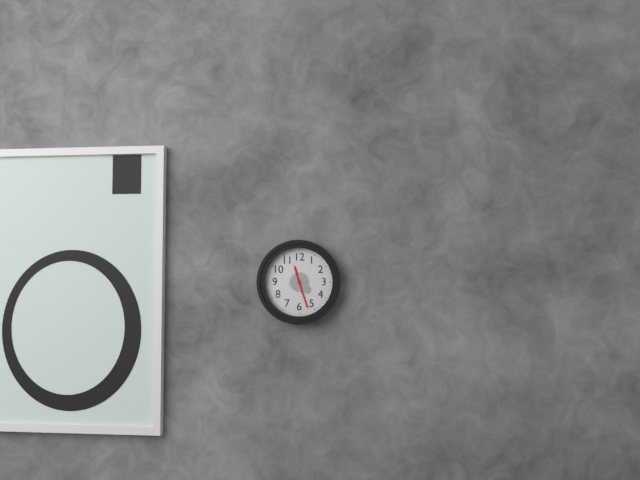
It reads 11h27
